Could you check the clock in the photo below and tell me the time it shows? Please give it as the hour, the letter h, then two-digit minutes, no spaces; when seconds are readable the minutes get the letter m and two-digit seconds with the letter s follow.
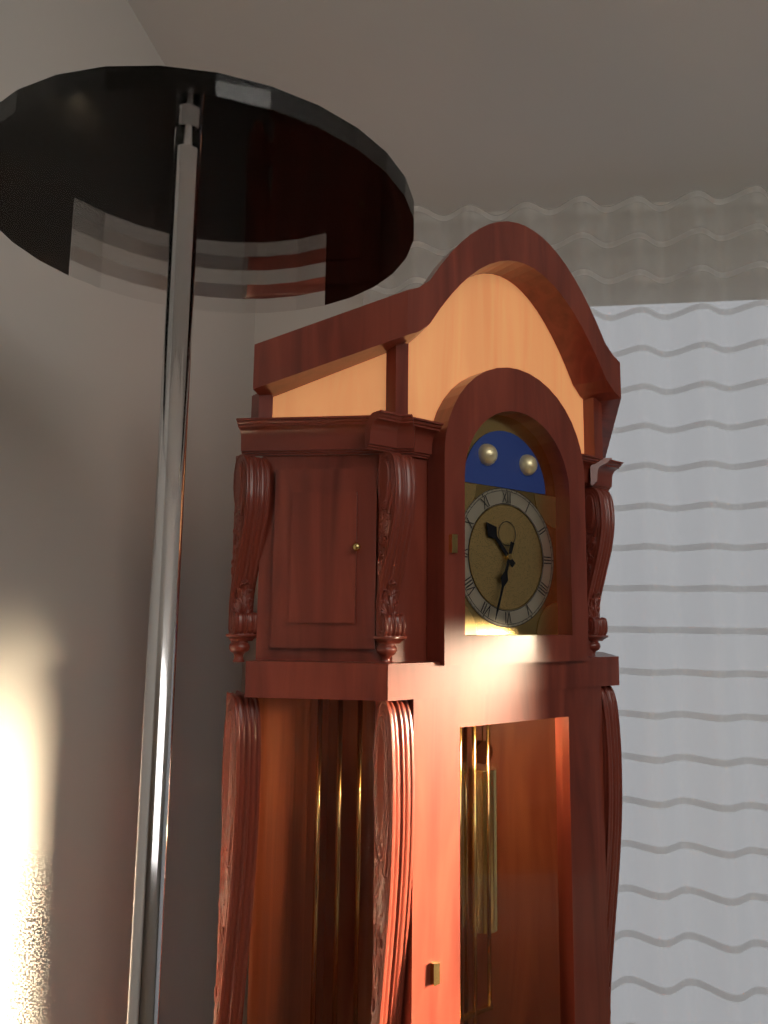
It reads 10h33
